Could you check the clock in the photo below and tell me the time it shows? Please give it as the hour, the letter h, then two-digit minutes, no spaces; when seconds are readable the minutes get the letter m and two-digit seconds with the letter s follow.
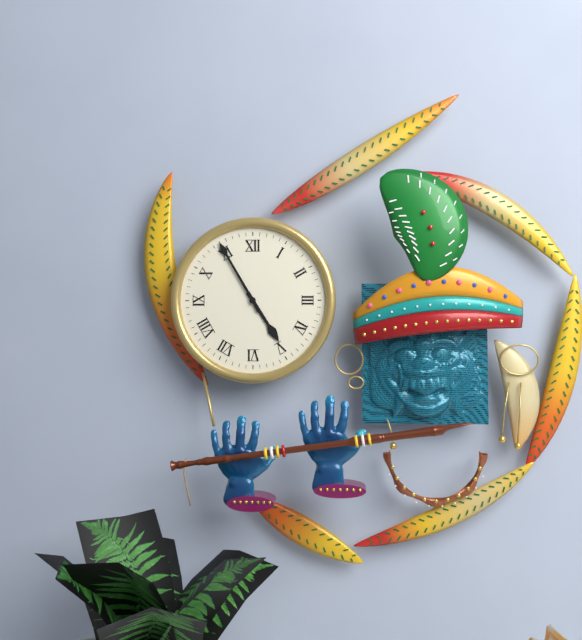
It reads 4h55
